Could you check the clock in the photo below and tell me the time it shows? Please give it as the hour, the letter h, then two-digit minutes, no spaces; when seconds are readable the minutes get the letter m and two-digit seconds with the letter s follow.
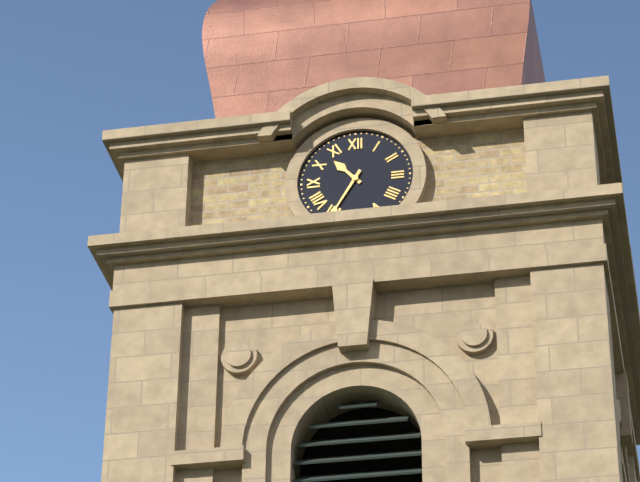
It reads 10h35
